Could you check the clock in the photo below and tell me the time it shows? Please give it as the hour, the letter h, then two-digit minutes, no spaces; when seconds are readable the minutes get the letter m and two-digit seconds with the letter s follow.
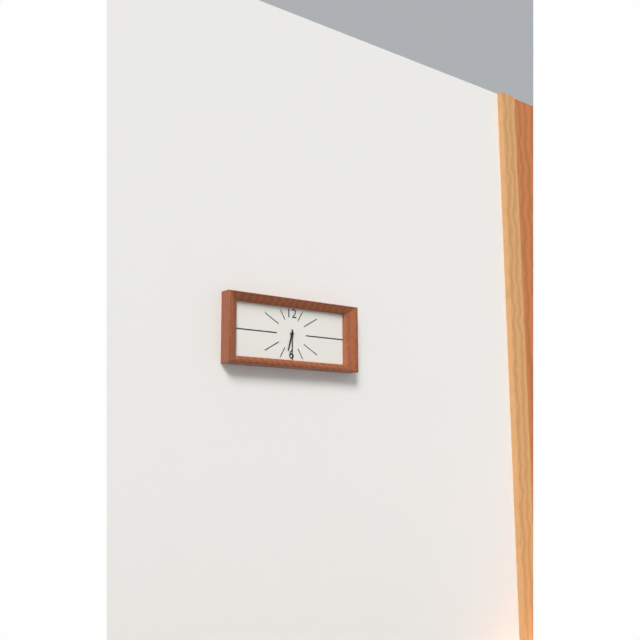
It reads 6h30
